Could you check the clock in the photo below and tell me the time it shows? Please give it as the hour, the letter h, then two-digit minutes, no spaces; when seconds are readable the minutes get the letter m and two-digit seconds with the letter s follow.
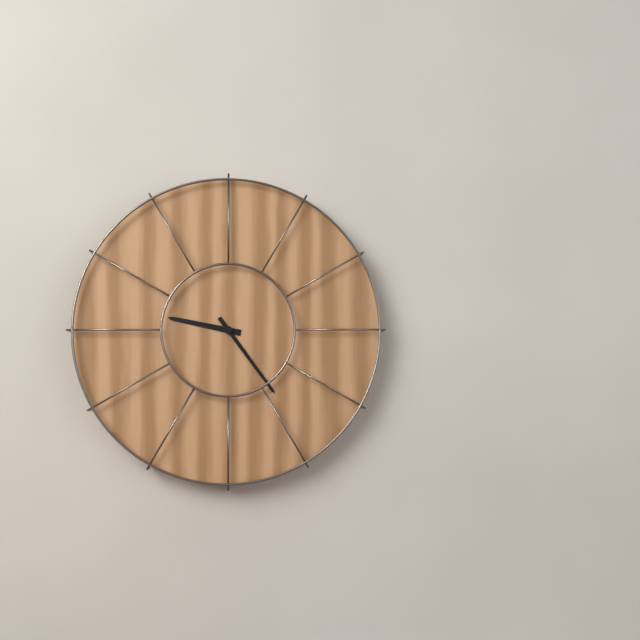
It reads 9h24
